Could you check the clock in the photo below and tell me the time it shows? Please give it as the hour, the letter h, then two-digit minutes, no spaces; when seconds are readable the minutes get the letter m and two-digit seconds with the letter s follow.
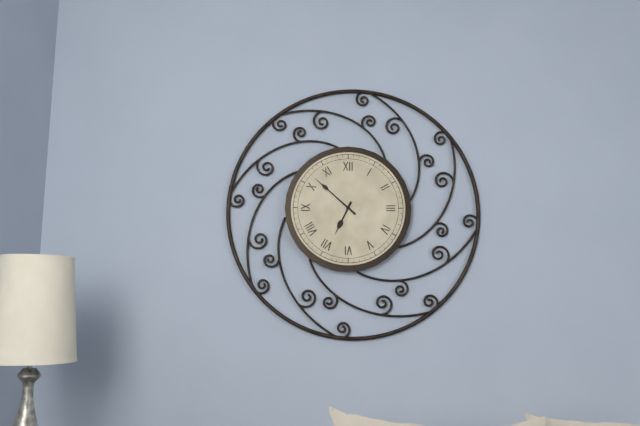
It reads 6h52
